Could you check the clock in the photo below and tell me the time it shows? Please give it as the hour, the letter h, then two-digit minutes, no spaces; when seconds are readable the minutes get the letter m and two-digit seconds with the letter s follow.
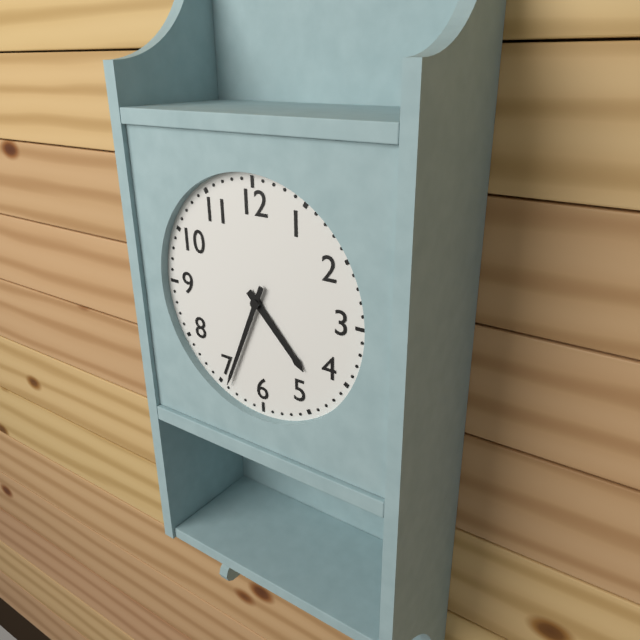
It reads 4h34
